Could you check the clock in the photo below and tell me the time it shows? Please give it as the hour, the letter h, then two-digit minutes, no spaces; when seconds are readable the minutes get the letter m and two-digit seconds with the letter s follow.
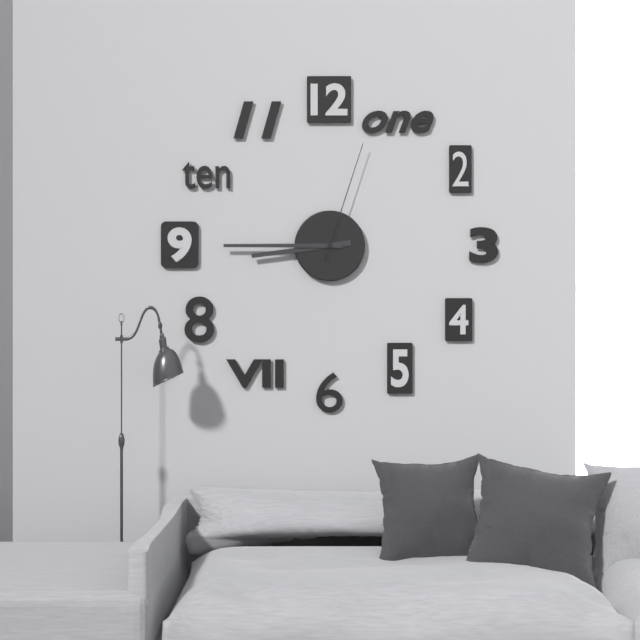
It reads 8h45m03s
